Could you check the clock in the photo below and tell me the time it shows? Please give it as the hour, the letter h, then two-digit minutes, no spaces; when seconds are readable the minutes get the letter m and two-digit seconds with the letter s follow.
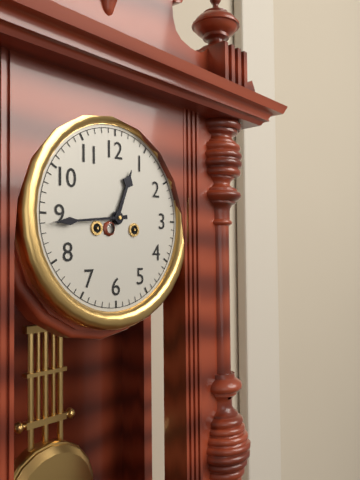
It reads 12h44
